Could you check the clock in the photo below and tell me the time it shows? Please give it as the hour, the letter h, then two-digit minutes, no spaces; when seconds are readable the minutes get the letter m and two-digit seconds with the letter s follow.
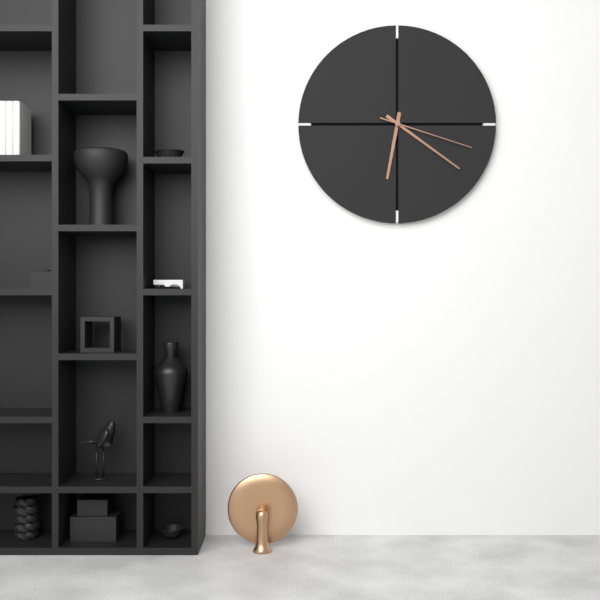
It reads 6h21m18s
